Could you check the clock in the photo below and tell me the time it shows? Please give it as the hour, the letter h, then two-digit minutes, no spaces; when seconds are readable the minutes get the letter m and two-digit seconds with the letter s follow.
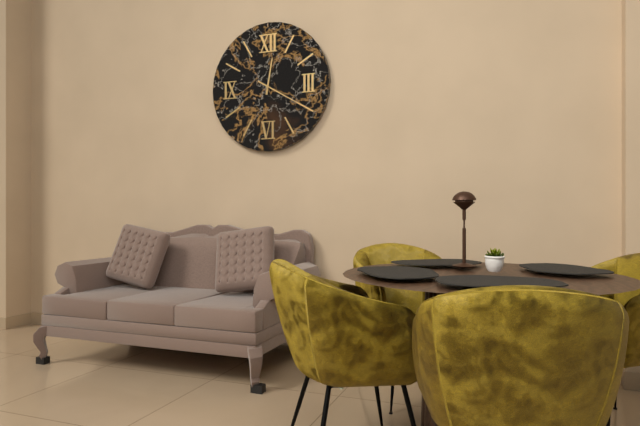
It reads 12h20
